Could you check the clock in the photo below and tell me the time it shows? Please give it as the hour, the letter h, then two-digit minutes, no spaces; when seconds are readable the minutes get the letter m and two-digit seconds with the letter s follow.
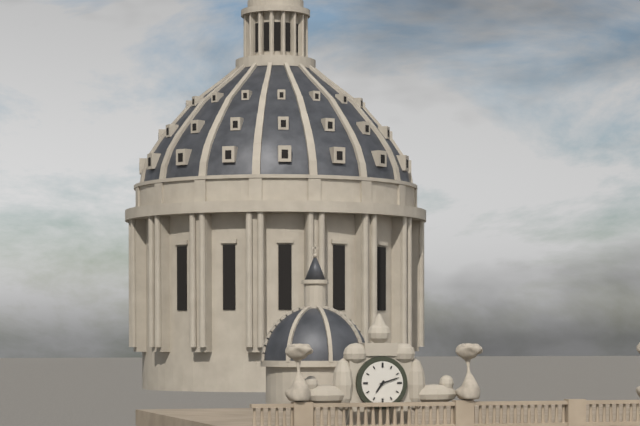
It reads 7h12
